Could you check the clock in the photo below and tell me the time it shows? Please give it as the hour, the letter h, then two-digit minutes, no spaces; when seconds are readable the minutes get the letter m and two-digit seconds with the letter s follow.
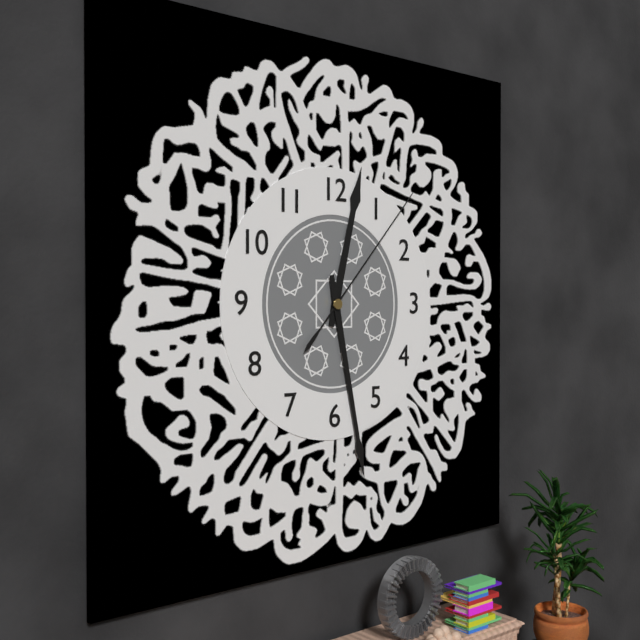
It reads 12h28m07s
